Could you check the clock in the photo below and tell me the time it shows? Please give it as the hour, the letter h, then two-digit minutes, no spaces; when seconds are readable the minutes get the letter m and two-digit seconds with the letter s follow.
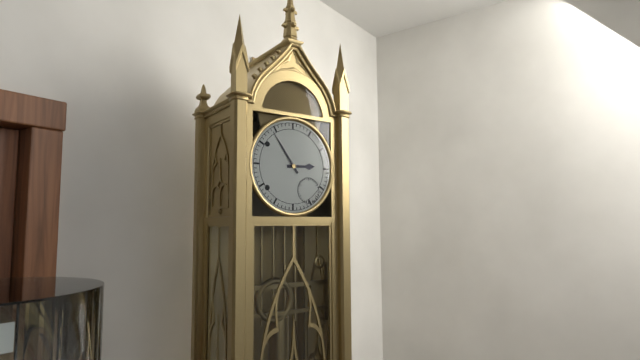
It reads 2h54
